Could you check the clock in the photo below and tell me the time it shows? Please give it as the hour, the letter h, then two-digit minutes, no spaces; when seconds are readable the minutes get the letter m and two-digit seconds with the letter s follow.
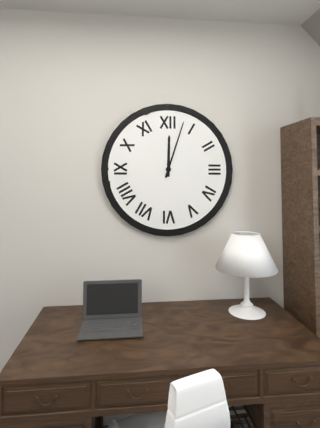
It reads 12h03
